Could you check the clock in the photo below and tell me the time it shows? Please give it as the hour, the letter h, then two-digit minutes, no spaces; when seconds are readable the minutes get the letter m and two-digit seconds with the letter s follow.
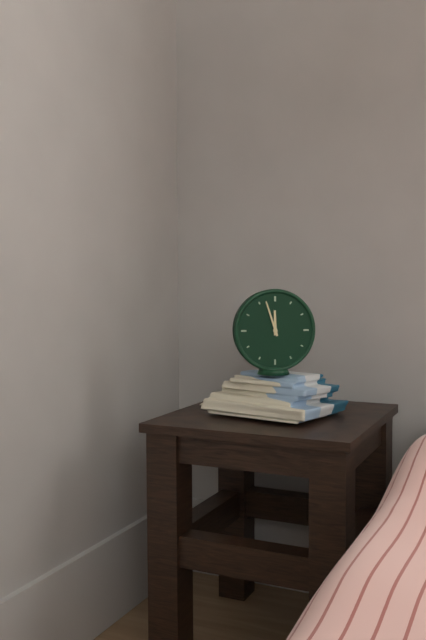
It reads 11h57
